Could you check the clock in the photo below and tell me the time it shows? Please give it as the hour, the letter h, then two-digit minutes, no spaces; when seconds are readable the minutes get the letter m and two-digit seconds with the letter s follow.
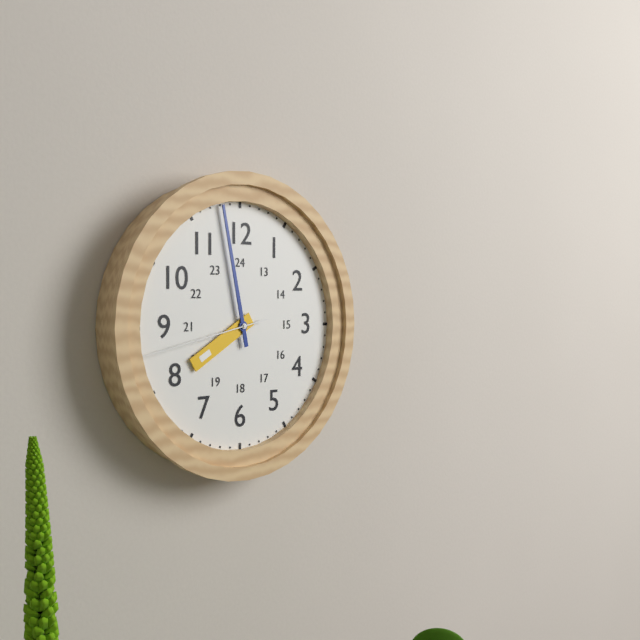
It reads 7h58m43s
